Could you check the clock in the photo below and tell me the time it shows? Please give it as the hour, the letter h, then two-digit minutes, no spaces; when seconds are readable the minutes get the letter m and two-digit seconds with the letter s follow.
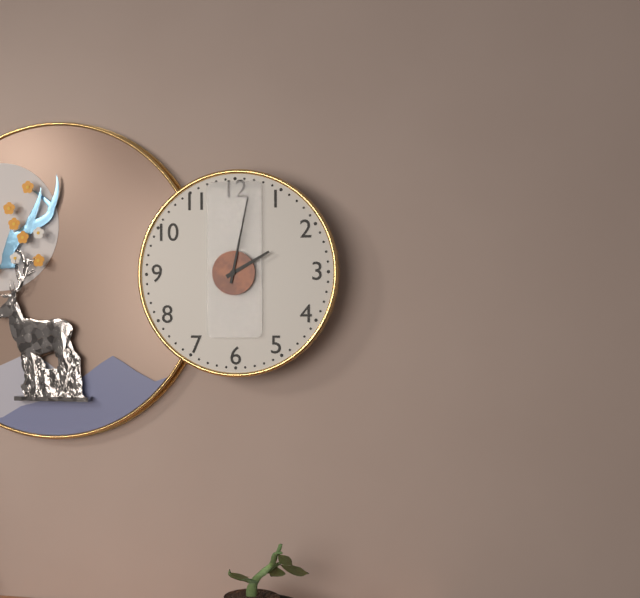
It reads 2h02
